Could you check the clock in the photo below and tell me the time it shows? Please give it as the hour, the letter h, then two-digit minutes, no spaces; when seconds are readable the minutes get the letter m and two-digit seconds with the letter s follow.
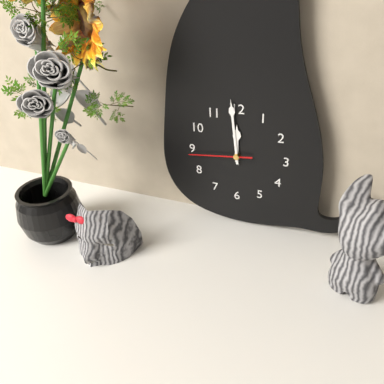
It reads 11h59m44s
